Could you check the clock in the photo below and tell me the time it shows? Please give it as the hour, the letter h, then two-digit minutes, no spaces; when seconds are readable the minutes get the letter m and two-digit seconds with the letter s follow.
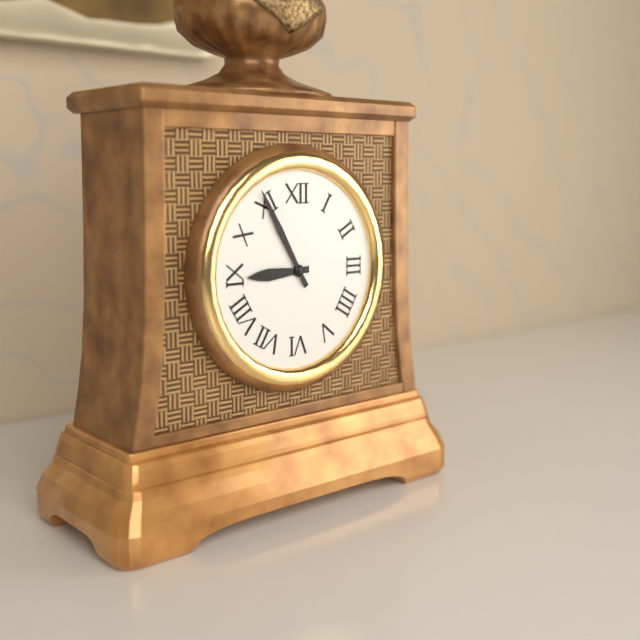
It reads 8h55
